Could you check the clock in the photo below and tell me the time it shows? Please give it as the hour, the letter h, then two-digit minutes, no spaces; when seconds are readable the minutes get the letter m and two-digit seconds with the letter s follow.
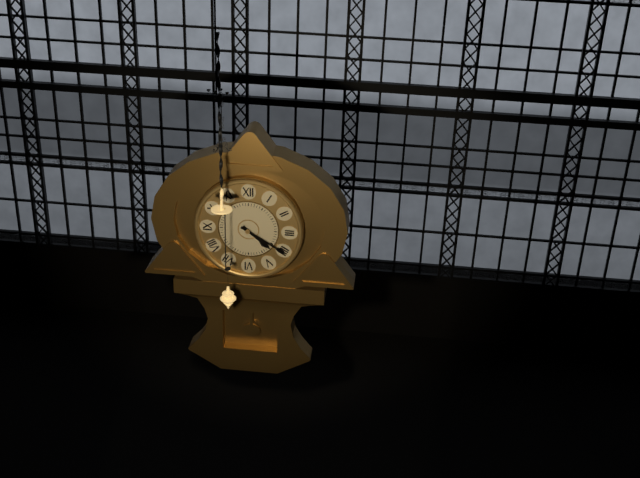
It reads 4h20
